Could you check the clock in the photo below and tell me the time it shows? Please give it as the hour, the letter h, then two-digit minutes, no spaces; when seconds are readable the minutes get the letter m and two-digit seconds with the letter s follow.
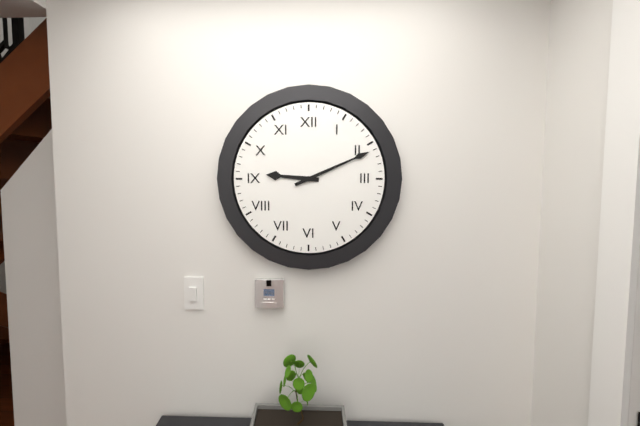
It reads 9h11
